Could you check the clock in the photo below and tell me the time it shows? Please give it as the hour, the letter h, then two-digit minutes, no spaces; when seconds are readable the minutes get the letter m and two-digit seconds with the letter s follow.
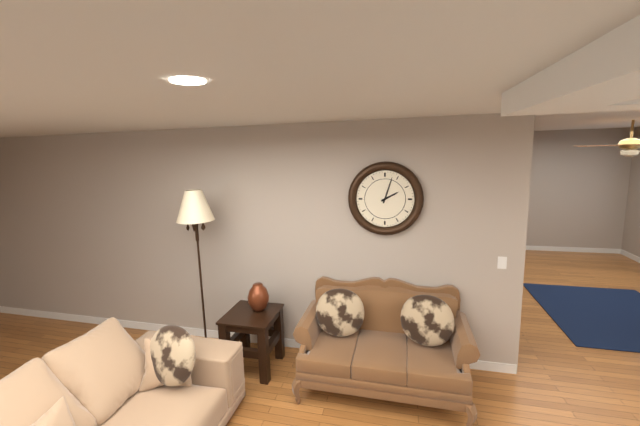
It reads 2h03
